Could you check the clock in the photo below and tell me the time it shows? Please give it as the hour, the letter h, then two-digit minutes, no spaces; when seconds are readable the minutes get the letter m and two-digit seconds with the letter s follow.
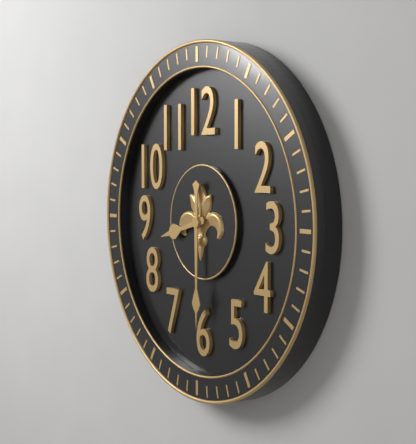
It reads 8h30
